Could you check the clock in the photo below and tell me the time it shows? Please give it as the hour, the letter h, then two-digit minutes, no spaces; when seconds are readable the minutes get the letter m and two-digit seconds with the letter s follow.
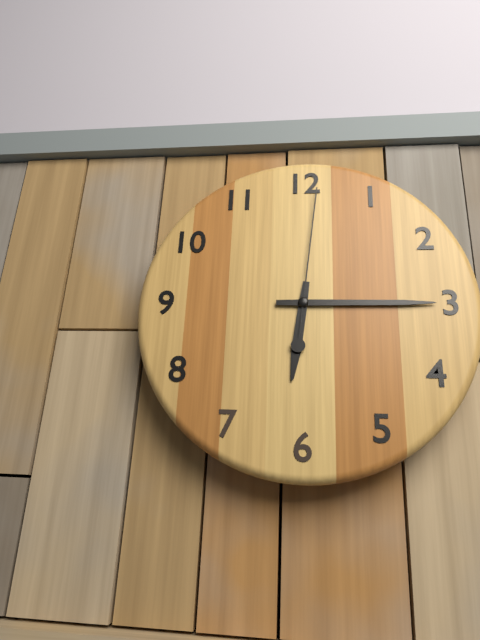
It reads 6h15m01s
